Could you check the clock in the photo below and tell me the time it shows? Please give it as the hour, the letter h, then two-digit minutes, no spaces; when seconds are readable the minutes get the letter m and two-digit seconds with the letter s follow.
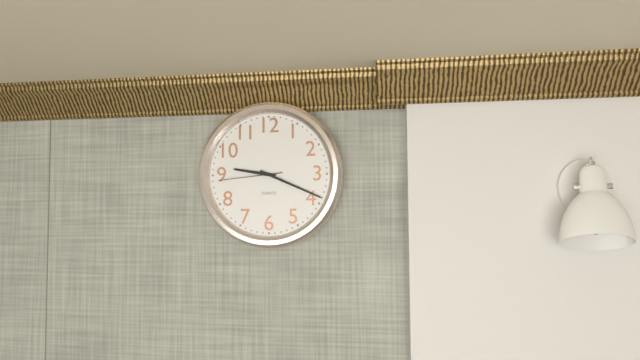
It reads 9h19m44s
